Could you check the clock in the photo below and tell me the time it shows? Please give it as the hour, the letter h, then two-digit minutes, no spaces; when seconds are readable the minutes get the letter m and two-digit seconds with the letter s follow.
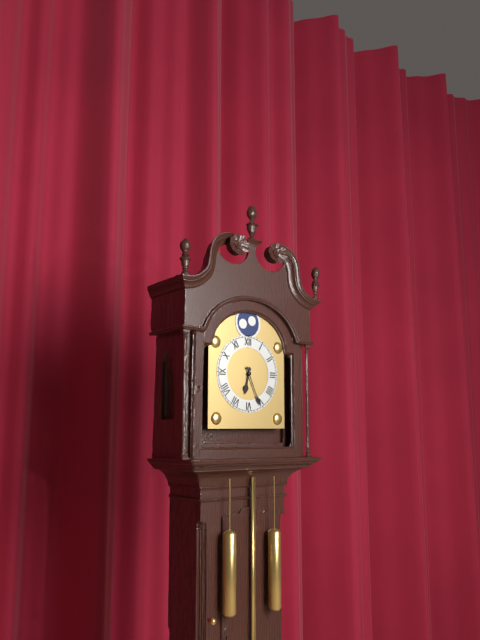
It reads 6h26
